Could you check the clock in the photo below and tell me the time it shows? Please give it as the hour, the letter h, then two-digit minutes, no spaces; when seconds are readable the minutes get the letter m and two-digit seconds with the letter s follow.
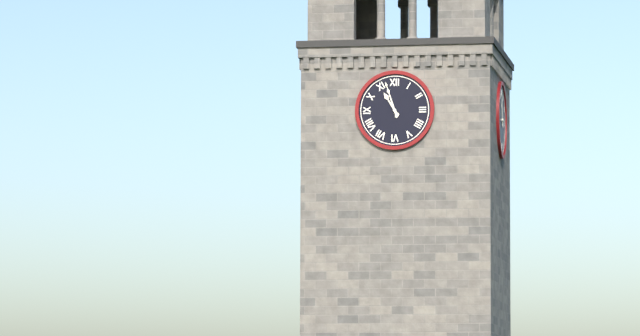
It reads 10h57
